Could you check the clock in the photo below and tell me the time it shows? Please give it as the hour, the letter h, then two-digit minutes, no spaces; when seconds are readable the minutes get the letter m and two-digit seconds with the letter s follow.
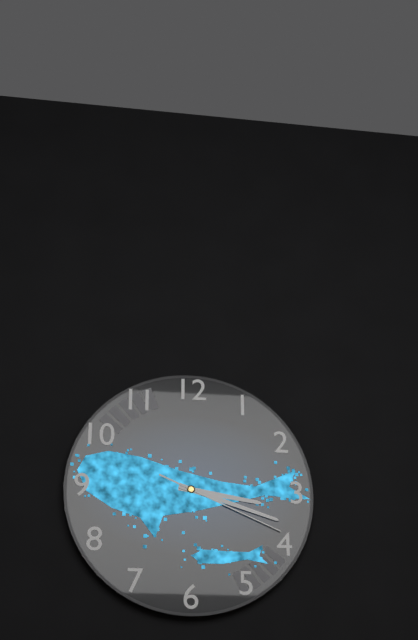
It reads 3h18m19s
